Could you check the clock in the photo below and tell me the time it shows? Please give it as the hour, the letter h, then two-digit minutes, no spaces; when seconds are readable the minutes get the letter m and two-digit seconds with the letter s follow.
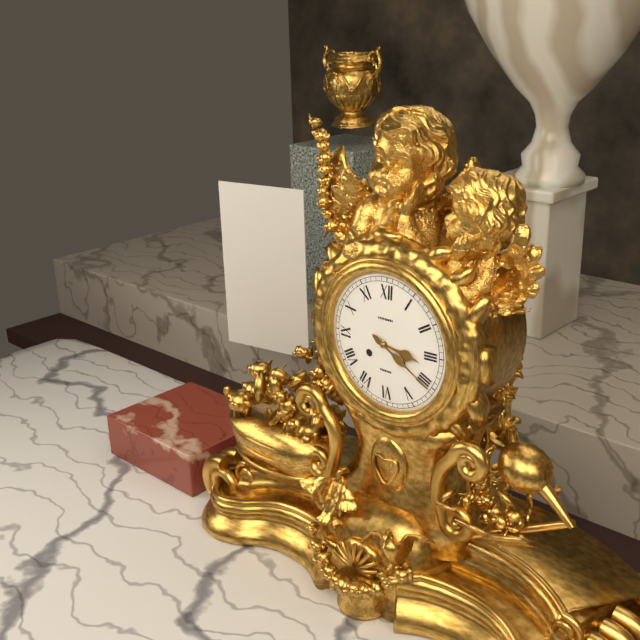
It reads 3h20
